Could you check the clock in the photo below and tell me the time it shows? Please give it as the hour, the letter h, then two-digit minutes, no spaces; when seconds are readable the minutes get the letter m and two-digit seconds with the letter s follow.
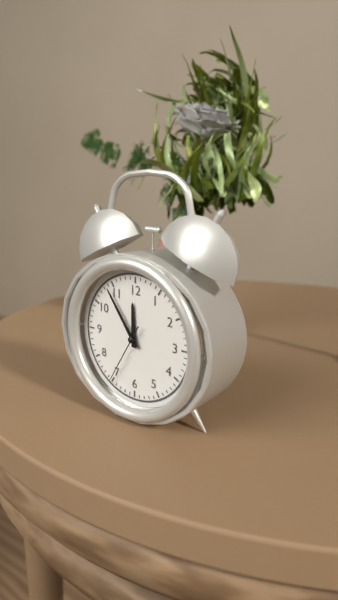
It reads 11h54m35s
